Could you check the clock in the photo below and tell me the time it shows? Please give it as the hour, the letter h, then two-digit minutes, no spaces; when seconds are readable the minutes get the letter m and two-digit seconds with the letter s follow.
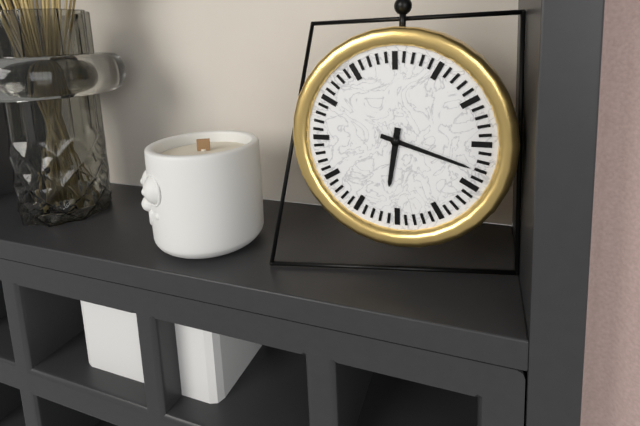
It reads 6h18
